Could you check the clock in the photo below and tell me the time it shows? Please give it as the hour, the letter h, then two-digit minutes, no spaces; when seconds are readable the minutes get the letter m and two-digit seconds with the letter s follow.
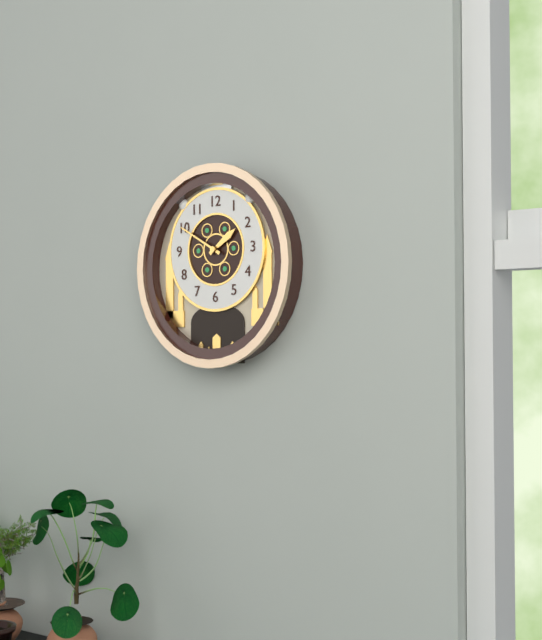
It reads 1h50
